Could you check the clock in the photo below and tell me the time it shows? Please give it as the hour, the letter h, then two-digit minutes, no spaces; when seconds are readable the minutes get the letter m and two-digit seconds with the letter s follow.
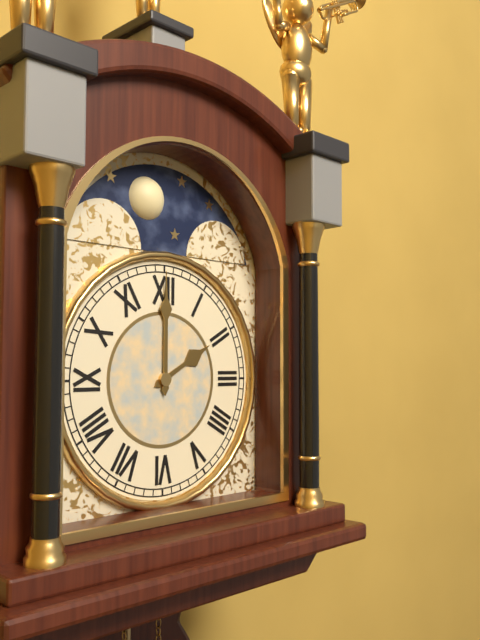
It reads 2h00
